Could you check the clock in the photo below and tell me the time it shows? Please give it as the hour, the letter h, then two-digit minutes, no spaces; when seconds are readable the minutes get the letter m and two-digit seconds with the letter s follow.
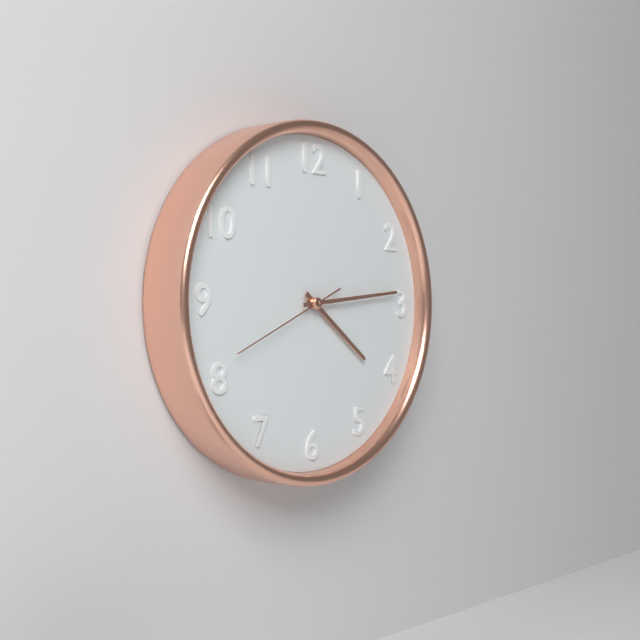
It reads 4h14m41s
